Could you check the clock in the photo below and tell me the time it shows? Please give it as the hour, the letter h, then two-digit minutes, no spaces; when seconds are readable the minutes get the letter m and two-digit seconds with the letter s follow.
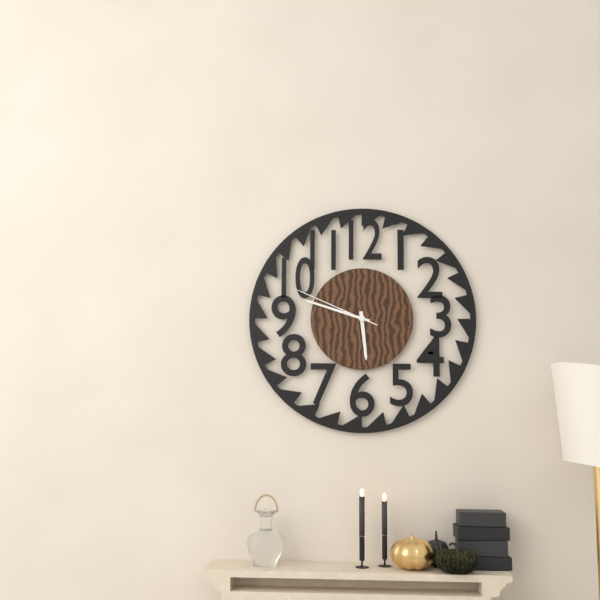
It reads 5h48m49s
